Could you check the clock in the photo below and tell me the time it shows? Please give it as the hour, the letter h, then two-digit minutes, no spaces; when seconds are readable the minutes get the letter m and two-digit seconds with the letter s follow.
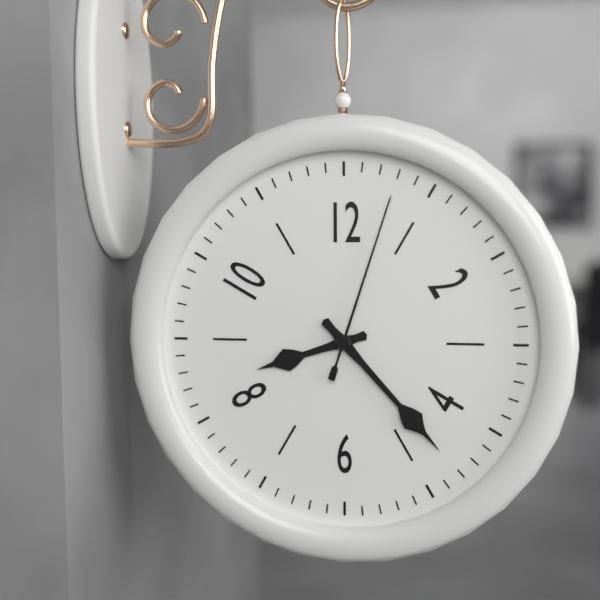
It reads 8h23m03s
